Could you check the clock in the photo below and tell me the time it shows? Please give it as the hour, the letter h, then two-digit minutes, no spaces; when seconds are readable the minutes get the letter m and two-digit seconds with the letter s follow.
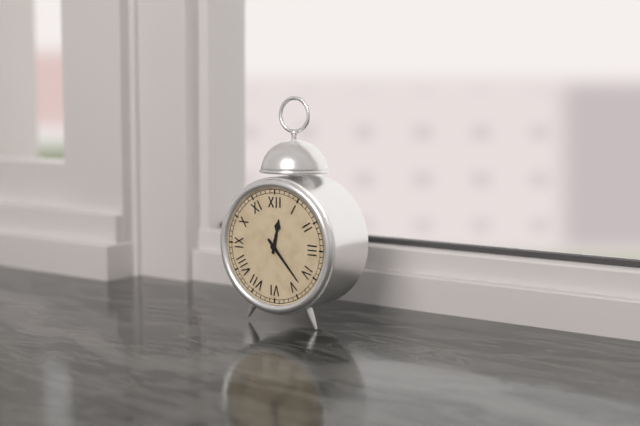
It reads 12h23
